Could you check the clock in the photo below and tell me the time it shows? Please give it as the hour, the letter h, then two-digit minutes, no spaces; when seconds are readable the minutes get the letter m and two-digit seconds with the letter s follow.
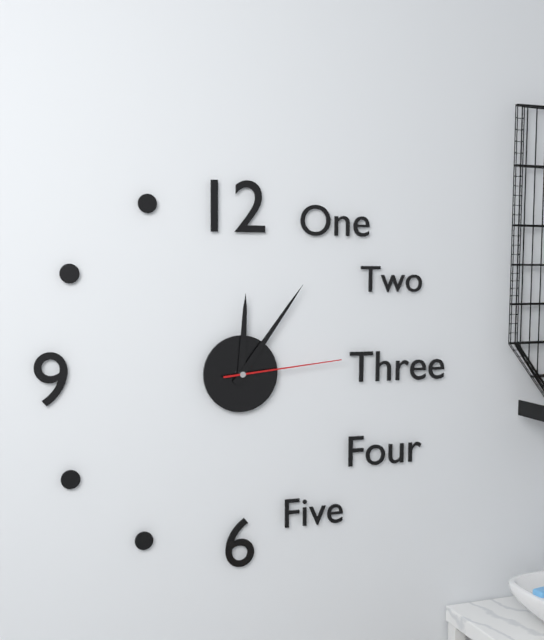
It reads 12h06m14s
